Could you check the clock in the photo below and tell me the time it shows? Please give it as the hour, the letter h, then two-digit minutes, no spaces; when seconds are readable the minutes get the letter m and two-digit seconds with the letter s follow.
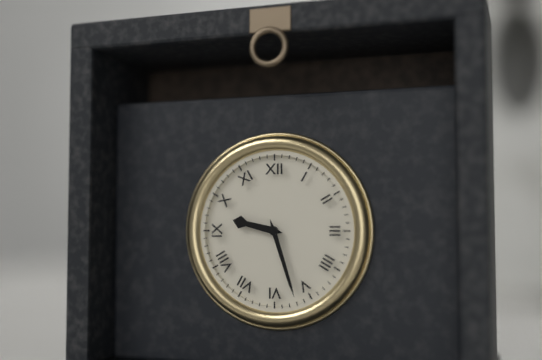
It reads 9h27
